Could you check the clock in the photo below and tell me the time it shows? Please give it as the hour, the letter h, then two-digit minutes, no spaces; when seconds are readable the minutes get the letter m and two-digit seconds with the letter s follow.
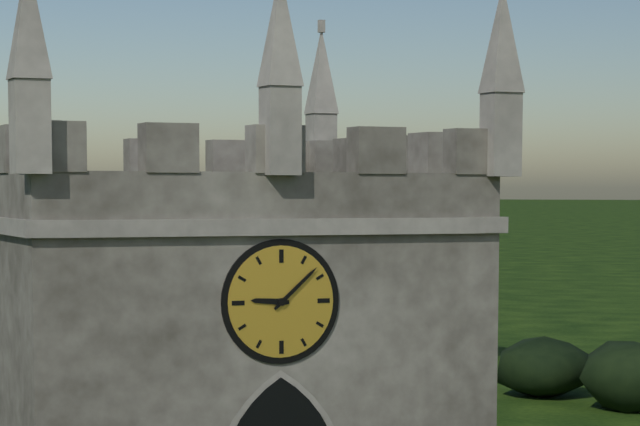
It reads 9h08
